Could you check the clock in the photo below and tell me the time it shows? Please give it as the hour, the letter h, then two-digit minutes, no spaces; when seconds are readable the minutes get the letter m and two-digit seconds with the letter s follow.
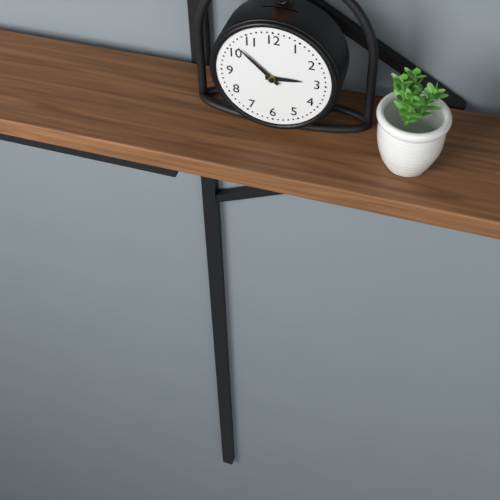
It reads 2h52
